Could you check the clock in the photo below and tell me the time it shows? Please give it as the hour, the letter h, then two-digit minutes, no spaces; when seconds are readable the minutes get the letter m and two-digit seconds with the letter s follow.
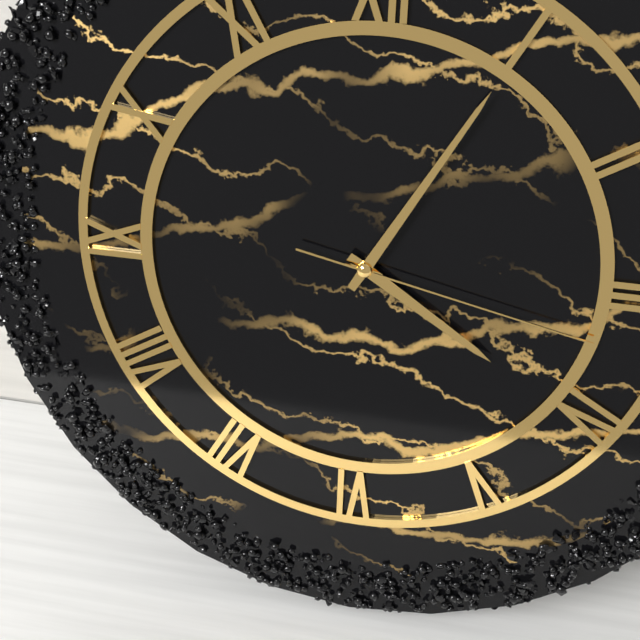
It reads 4h05m17s
